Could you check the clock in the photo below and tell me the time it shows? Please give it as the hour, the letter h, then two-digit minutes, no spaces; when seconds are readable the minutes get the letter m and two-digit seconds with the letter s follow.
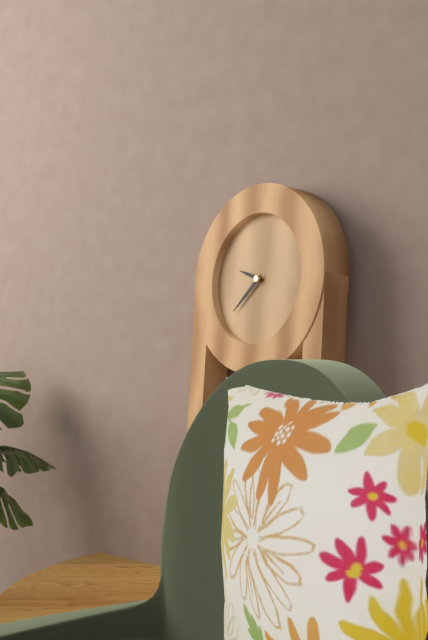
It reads 9h38
